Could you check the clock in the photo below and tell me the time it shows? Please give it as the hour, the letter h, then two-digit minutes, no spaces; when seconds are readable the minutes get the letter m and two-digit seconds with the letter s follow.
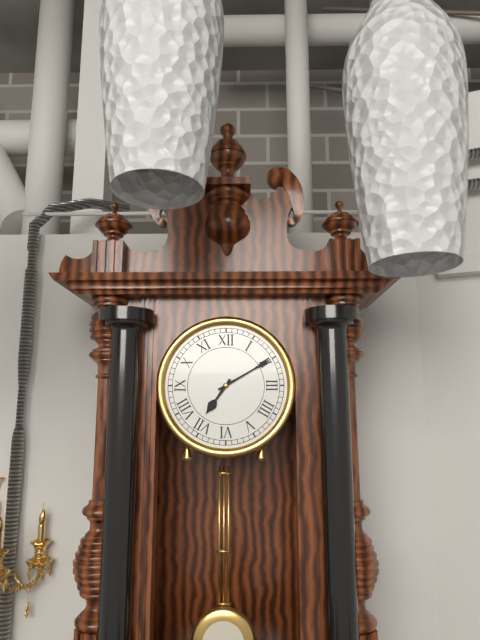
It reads 7h10
